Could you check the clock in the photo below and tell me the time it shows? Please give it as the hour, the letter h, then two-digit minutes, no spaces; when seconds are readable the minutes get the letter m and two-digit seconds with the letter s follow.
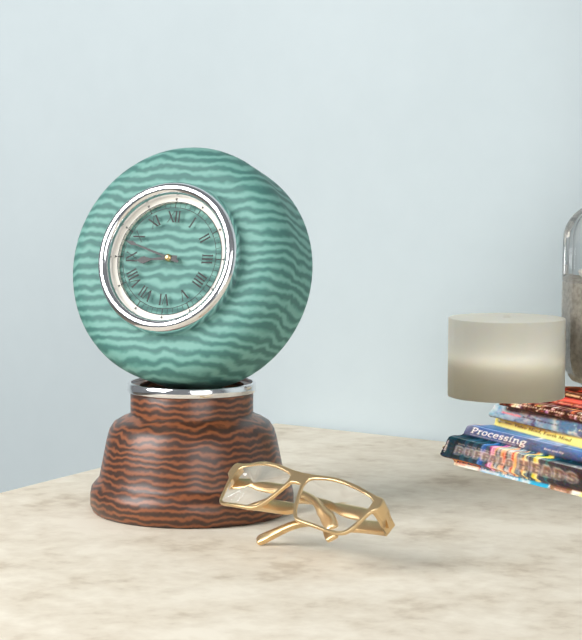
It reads 8h48
